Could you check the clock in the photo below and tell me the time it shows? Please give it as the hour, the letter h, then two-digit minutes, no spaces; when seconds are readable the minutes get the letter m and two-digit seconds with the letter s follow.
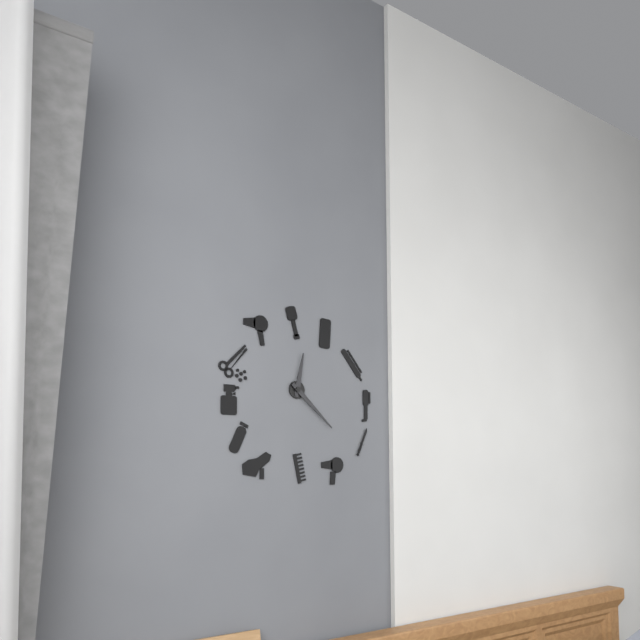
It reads 12h22
